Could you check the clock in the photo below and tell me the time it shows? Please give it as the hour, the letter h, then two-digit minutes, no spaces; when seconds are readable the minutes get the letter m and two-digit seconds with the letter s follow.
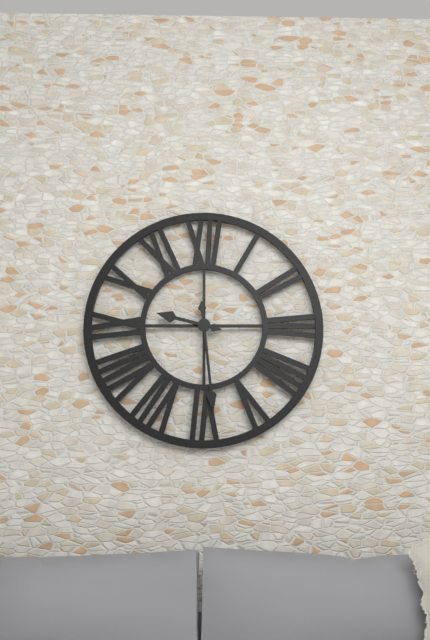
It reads 9h29
